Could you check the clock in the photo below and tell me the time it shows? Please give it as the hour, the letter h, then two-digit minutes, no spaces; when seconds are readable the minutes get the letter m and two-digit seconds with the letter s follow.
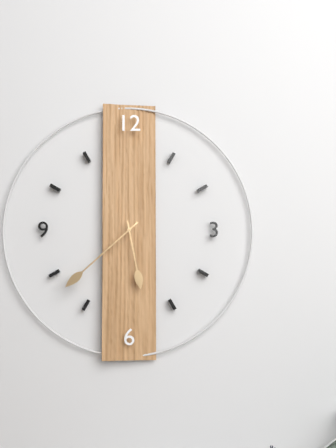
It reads 5h38
